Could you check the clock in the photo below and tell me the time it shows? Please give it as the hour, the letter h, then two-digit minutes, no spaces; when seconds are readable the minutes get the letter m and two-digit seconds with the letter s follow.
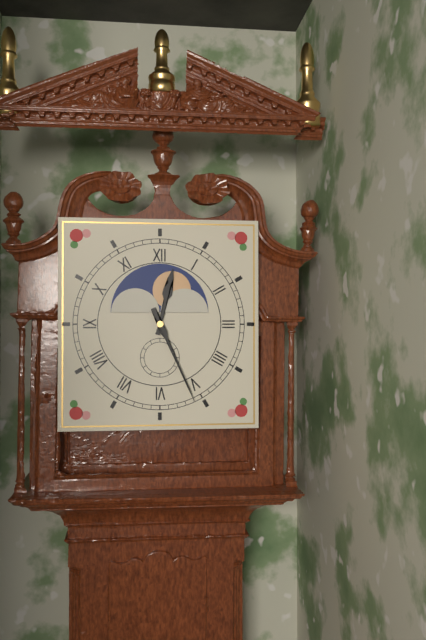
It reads 12h26
